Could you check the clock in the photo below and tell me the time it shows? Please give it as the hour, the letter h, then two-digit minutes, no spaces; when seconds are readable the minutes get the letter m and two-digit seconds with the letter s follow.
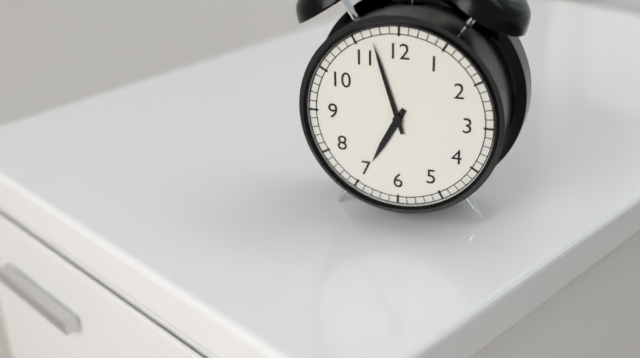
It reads 6h57
